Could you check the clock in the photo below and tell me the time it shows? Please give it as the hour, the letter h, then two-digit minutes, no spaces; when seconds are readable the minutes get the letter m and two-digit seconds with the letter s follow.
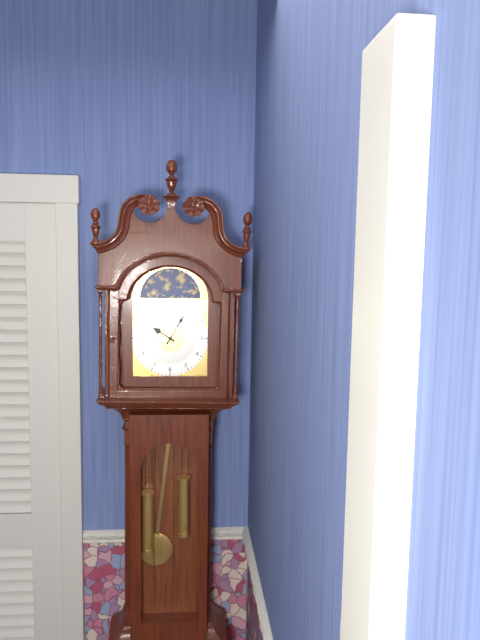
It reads 10h05
